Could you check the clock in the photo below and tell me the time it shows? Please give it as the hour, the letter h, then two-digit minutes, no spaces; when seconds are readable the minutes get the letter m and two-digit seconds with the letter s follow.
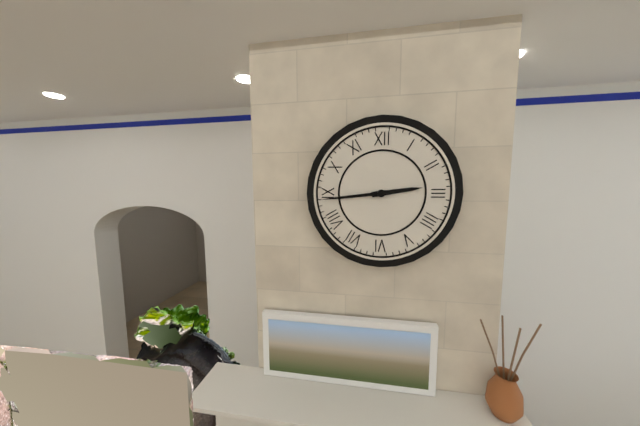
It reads 2h44
